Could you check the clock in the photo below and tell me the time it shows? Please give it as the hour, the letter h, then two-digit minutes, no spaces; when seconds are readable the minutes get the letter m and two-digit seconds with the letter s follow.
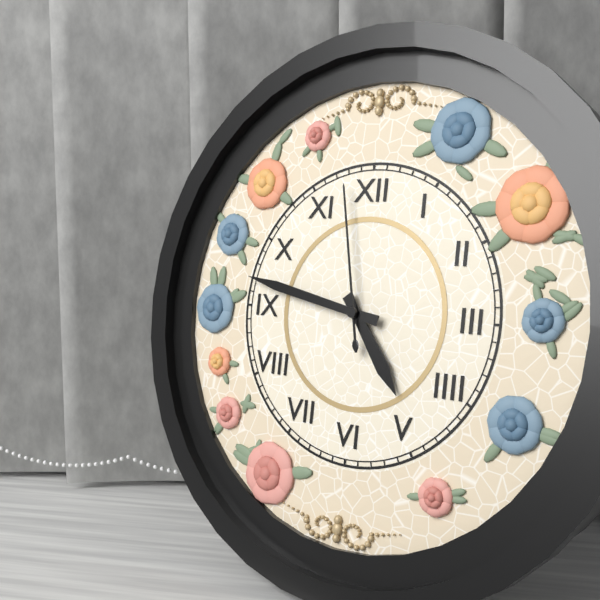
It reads 4h47m58s
